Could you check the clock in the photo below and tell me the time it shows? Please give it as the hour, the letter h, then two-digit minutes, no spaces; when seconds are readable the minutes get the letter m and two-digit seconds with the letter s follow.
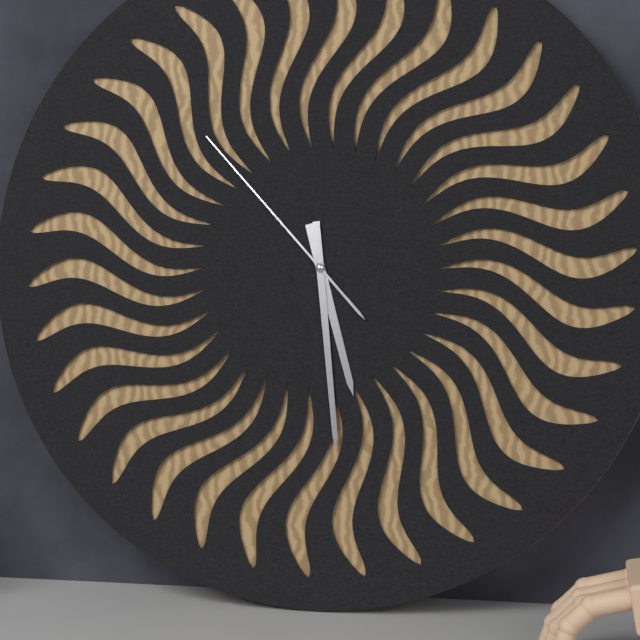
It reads 5h29m53s
